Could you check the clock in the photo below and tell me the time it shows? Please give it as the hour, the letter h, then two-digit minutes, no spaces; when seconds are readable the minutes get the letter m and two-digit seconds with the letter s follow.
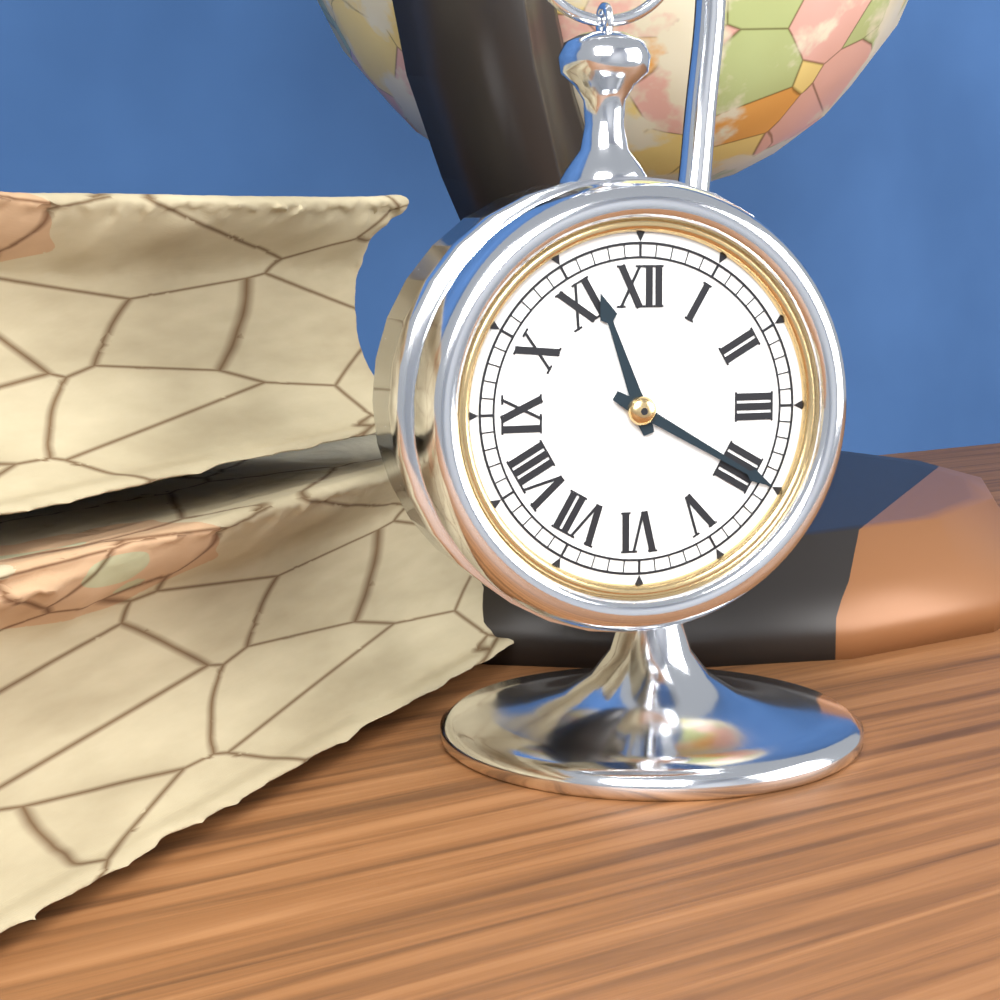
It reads 11h20
